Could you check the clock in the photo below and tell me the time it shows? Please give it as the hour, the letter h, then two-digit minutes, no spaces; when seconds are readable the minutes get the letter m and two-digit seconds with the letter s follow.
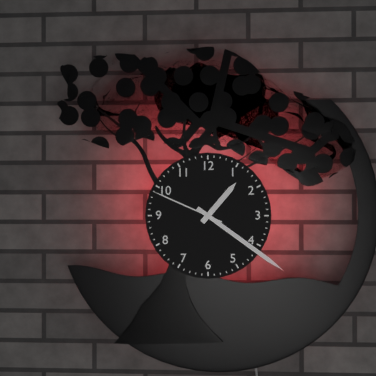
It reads 1h21m49s
